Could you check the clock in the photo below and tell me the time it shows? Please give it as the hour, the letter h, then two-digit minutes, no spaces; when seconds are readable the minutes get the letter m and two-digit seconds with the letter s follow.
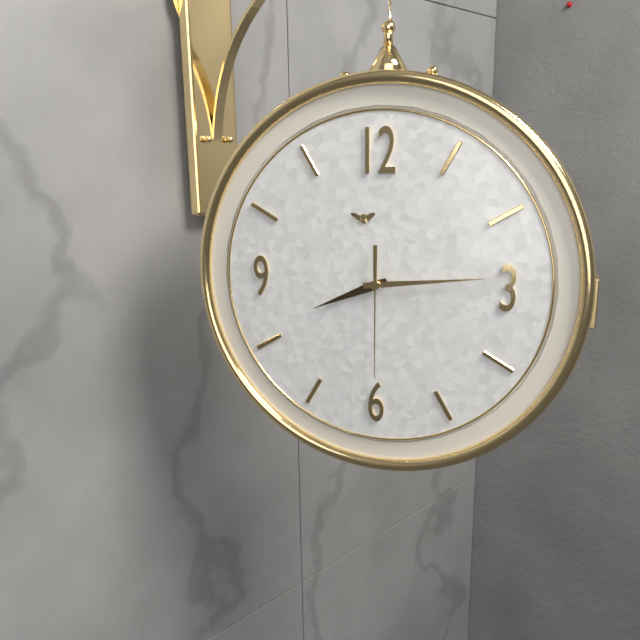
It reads 8h14m30s
